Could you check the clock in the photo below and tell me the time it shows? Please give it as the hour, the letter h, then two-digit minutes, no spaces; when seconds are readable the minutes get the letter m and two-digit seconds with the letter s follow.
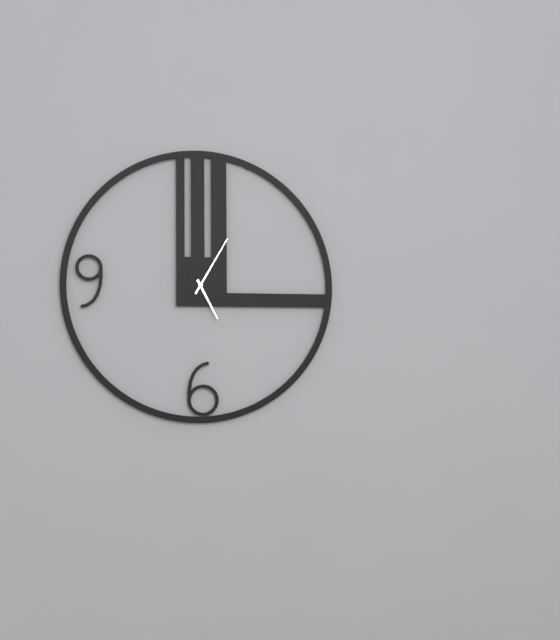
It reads 5h05
